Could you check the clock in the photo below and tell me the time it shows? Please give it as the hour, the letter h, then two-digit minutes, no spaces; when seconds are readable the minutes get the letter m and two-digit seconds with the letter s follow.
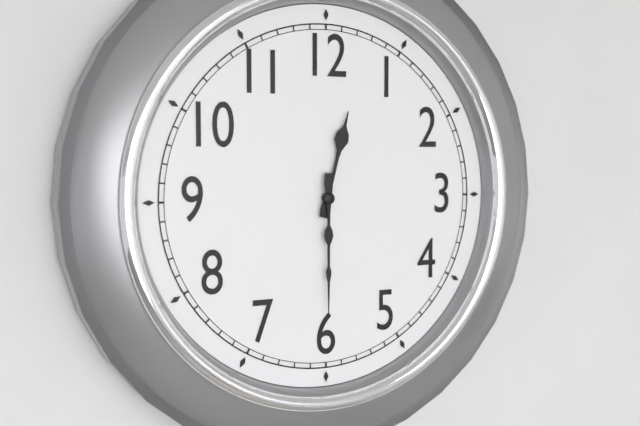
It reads 12h30
